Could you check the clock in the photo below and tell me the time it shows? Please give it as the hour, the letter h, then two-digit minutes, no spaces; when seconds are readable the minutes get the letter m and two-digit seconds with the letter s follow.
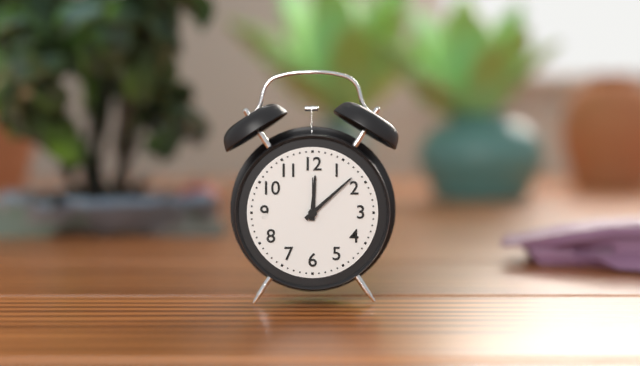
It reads 12h08
